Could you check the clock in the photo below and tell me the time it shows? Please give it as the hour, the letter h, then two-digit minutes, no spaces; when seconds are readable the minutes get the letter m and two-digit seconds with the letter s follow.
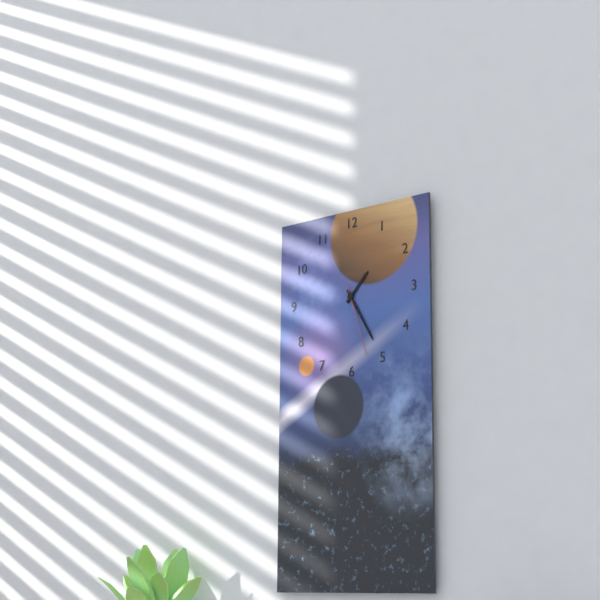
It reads 1h25m27s
